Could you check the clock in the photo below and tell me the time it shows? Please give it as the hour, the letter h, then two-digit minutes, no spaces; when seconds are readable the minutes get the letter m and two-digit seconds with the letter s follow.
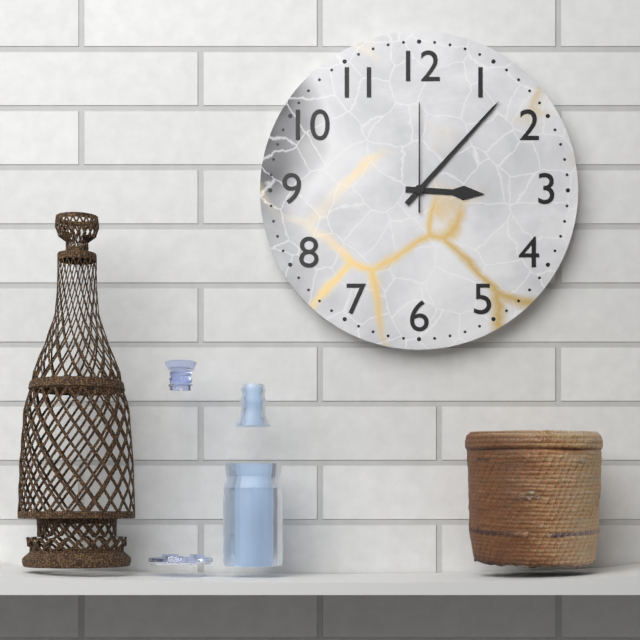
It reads 3h07m00s
